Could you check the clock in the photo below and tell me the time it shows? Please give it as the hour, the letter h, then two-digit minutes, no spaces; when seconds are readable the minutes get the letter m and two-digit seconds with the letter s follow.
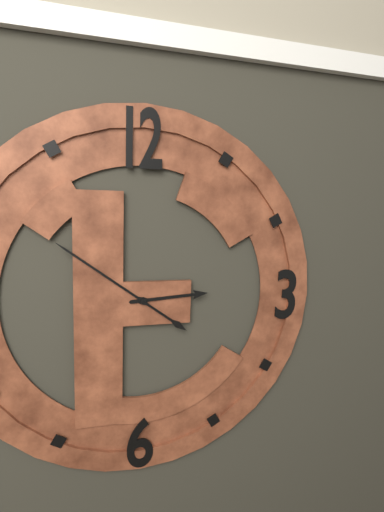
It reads 2h51
